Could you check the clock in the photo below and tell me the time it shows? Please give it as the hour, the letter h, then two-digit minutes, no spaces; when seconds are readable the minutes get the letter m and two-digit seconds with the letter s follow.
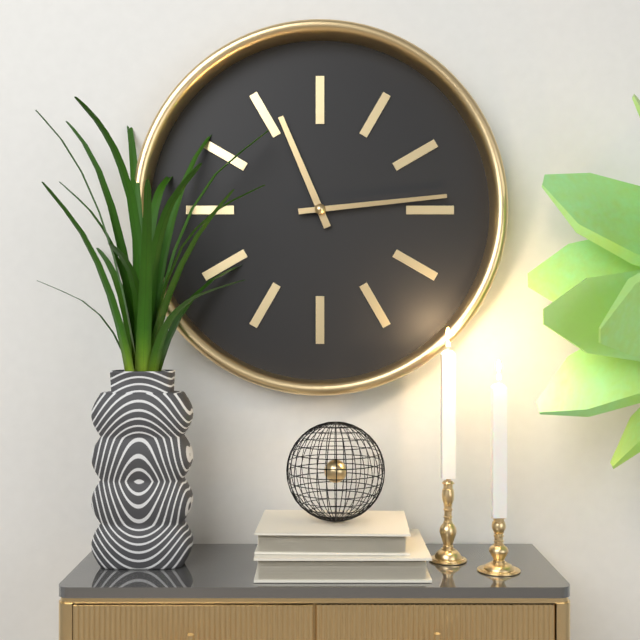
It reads 11h14
